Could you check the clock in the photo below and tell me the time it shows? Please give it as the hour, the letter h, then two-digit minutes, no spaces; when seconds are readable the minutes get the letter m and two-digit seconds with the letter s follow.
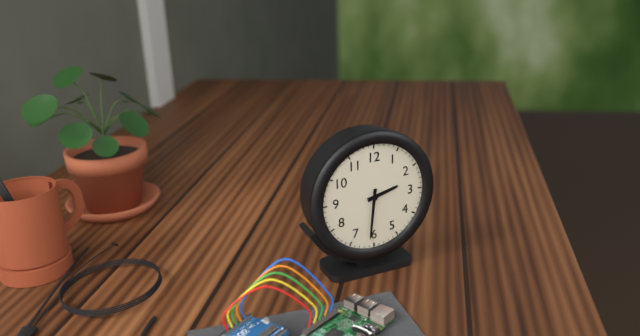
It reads 2h31
